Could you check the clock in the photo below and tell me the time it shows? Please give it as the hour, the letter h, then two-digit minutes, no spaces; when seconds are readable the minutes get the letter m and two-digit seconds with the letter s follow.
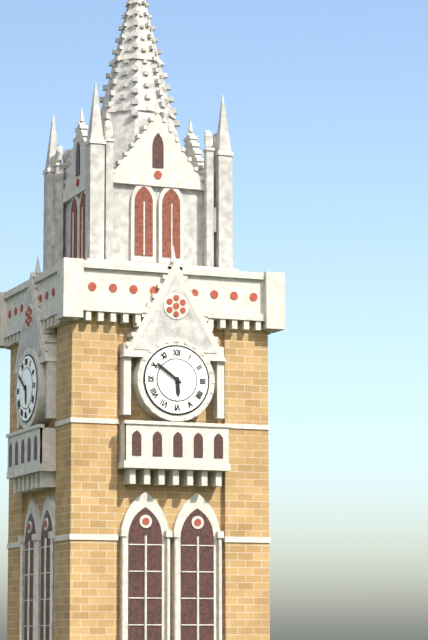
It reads 5h51
